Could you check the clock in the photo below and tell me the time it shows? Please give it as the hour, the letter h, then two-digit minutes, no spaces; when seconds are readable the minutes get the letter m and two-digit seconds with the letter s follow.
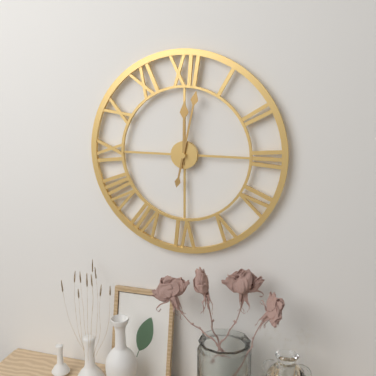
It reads 12h02
